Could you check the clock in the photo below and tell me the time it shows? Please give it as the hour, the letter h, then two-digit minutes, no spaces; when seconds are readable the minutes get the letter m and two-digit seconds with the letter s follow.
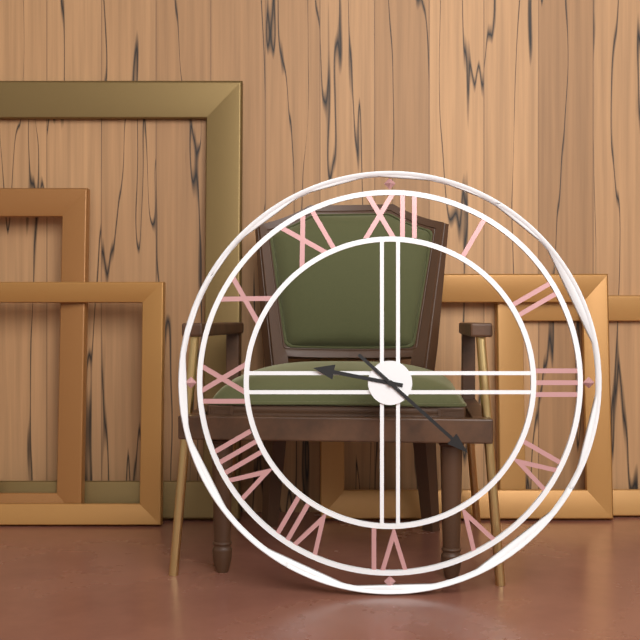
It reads 9h22
